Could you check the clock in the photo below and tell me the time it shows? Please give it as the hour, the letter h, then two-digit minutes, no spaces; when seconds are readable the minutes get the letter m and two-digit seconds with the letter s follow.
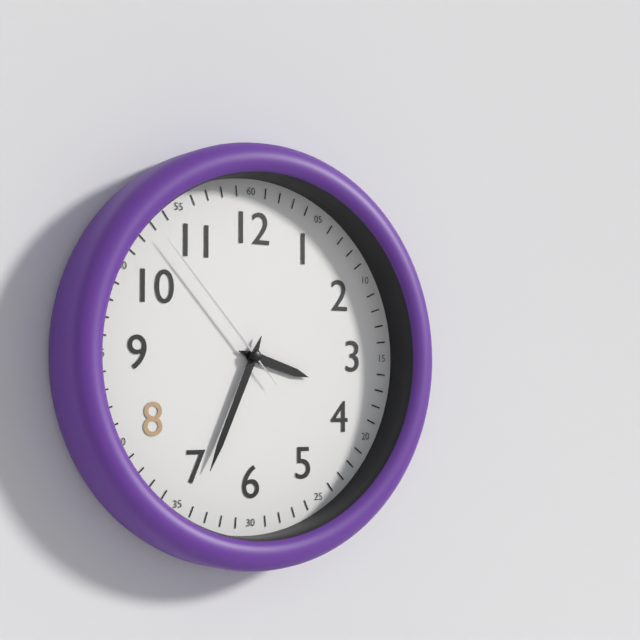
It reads 3h34m53s
